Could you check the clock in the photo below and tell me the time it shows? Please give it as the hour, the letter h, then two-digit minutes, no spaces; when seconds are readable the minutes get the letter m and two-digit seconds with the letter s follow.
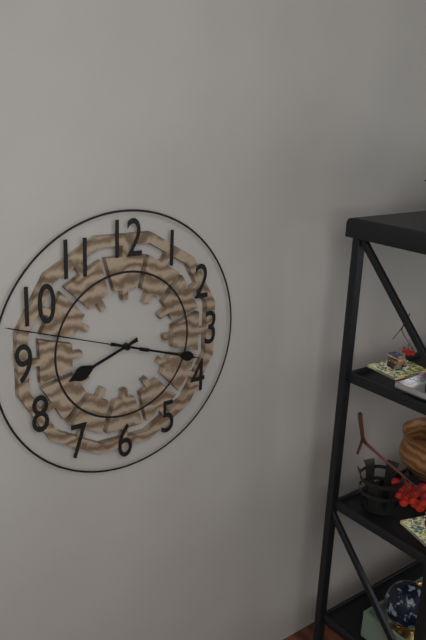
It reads 8h18m48s
